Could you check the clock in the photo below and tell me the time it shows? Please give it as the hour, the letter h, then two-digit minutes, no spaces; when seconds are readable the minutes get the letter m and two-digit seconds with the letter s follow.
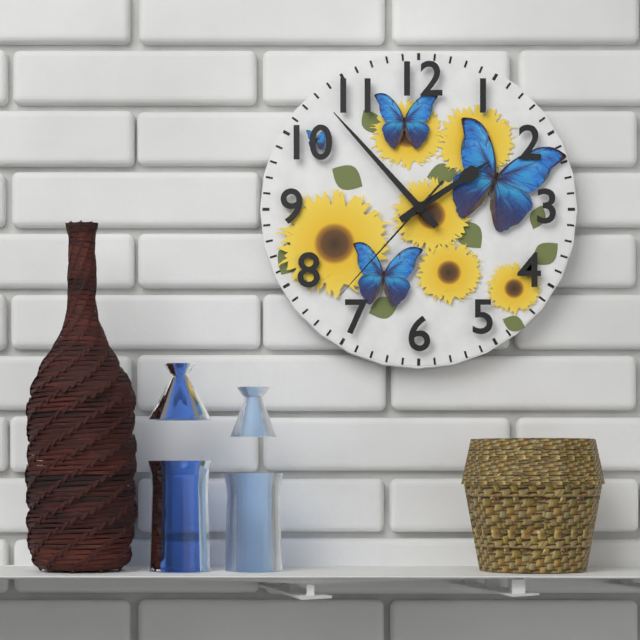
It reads 1h53m37s
